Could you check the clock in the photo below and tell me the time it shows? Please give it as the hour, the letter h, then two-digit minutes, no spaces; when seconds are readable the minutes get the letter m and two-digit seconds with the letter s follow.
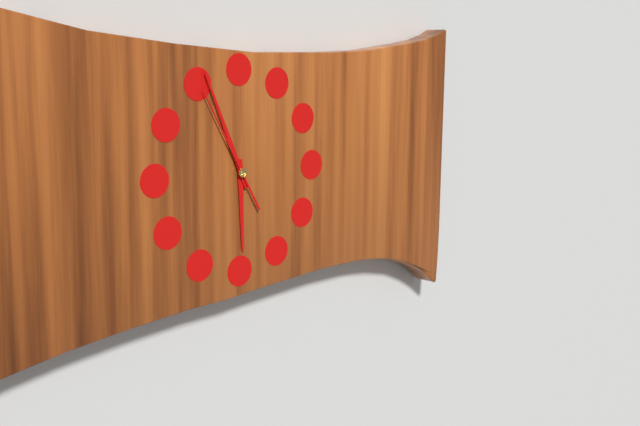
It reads 5h56m55s
